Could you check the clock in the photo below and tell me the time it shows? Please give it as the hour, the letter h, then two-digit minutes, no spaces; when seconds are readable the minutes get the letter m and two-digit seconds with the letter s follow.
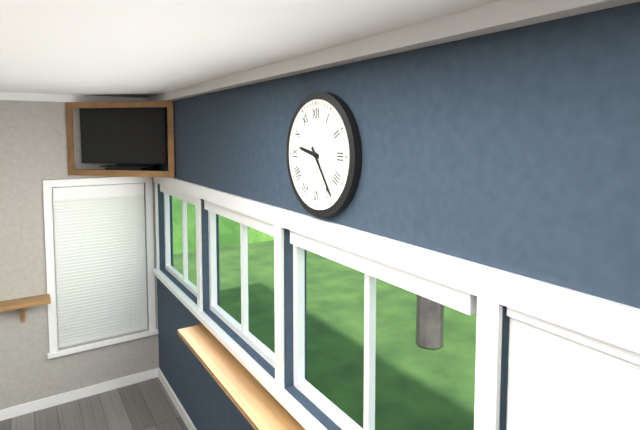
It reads 9h24
